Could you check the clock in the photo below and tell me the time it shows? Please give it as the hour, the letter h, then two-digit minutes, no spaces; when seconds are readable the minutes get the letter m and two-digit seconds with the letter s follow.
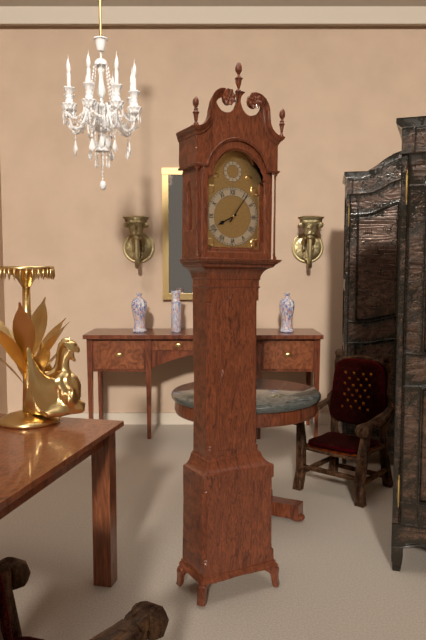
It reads 8h06
